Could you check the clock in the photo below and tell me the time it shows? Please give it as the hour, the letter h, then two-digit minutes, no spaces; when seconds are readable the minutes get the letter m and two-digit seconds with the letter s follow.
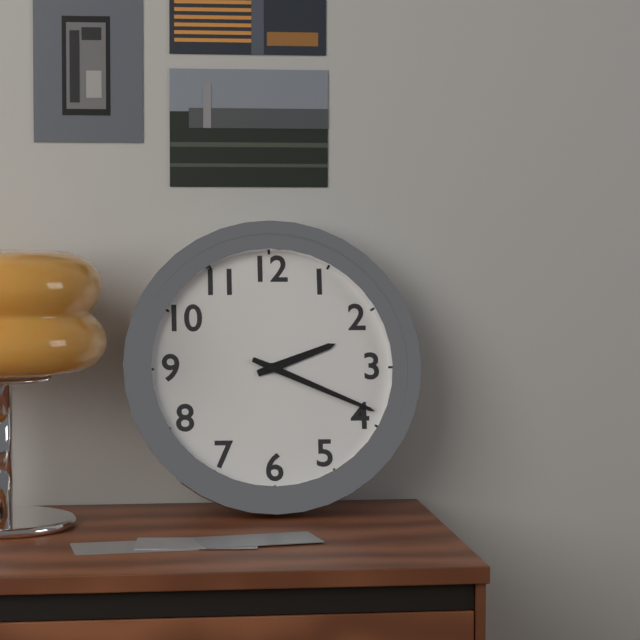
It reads 2h19
